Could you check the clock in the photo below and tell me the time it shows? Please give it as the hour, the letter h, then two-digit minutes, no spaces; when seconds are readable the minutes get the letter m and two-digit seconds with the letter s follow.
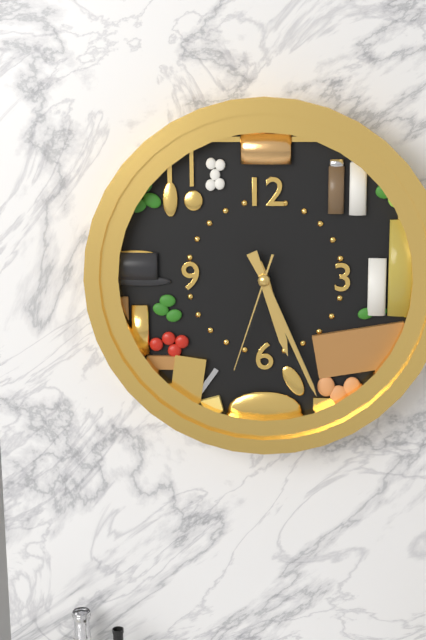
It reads 5h26m33s
